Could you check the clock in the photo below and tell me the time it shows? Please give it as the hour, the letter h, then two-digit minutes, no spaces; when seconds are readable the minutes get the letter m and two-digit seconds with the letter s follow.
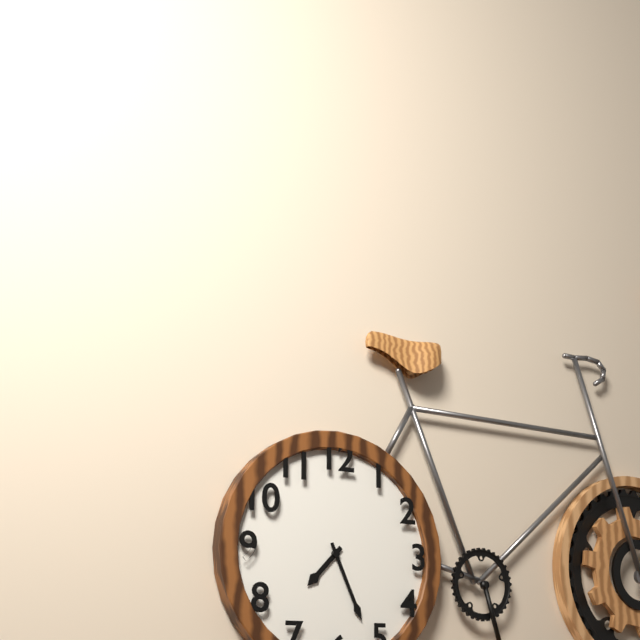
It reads 7h26
